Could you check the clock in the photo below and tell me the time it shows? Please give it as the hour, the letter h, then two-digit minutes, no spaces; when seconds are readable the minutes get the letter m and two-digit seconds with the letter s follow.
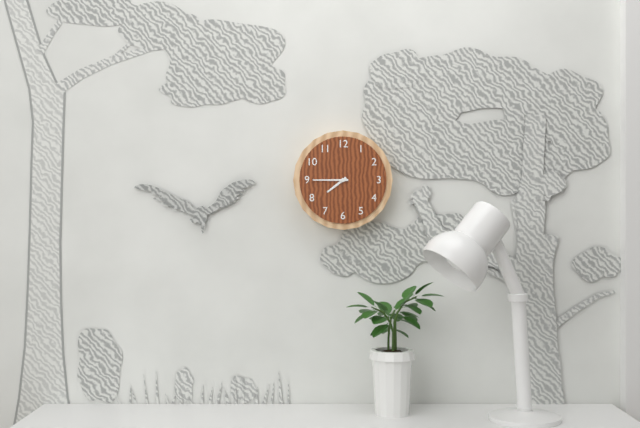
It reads 7h45
